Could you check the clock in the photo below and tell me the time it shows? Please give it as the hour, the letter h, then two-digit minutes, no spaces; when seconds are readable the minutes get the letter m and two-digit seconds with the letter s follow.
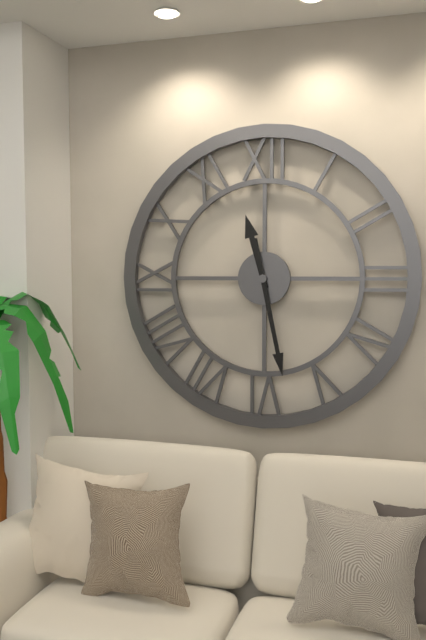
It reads 11h28
